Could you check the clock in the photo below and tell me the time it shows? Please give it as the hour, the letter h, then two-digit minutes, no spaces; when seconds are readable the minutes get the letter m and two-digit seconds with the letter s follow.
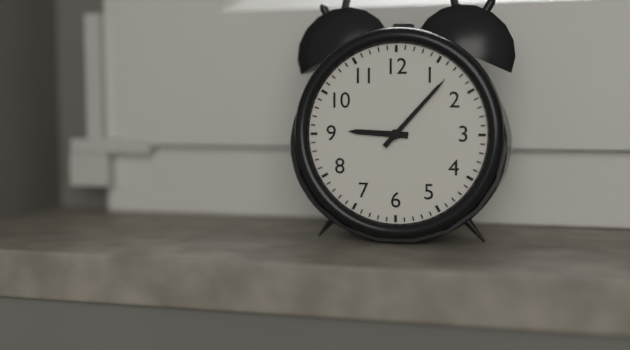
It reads 9h07
